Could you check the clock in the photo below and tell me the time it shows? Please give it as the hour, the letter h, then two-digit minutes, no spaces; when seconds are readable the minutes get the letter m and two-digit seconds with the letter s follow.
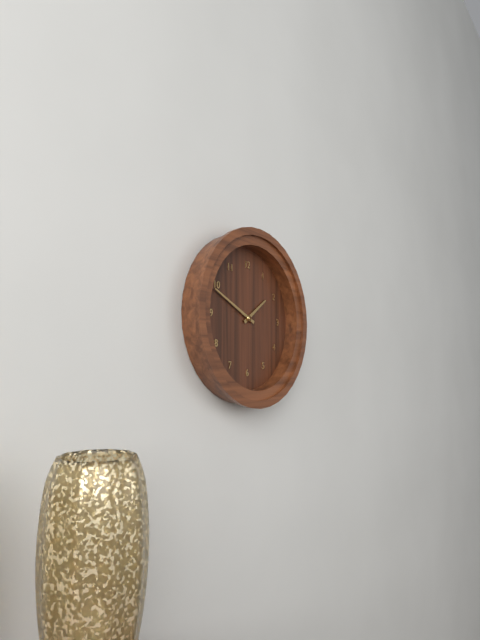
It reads 1h49
